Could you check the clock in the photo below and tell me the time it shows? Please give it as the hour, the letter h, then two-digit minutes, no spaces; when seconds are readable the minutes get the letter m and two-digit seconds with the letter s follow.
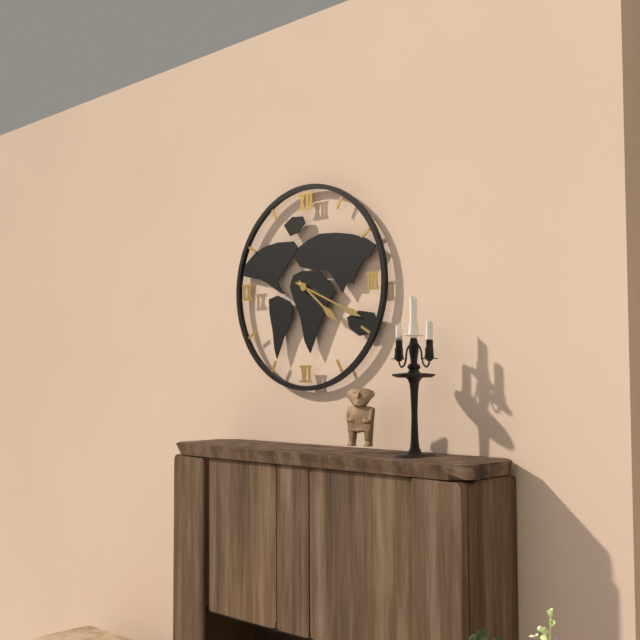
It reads 4h19
